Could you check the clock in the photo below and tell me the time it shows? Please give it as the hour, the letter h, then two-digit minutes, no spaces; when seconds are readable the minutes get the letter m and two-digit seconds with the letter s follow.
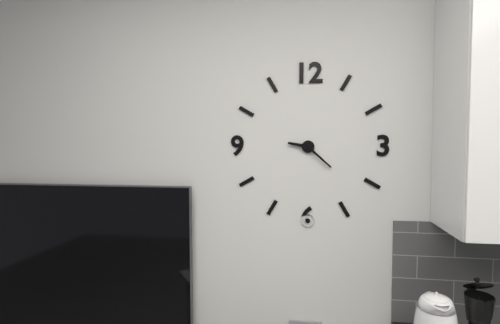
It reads 9h22
